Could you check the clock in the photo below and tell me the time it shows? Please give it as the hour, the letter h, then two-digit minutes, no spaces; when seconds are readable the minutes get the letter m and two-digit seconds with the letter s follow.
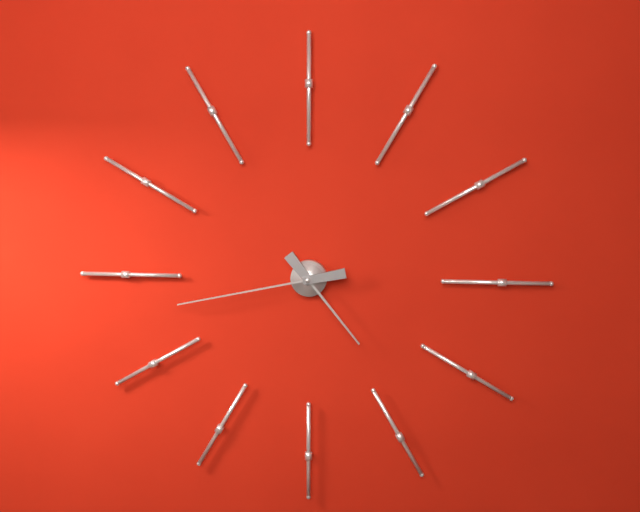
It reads 4h43
